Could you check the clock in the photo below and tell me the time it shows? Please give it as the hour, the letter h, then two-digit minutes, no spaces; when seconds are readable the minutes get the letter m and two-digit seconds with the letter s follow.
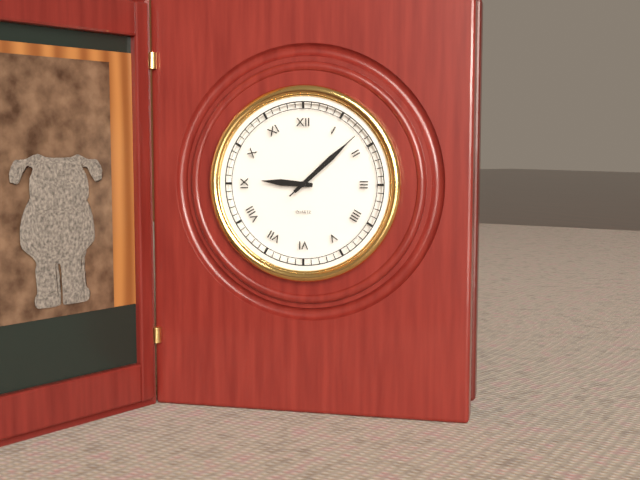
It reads 9h08m08s
